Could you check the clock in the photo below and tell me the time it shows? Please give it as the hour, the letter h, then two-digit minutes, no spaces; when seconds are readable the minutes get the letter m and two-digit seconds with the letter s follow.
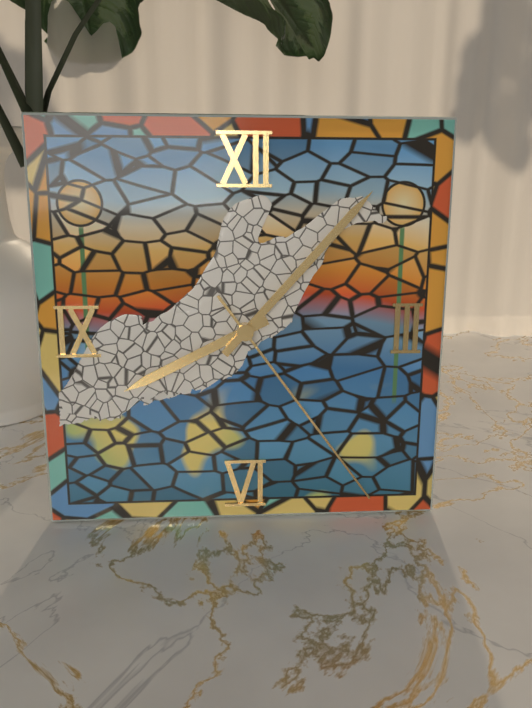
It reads 8h07m24s
